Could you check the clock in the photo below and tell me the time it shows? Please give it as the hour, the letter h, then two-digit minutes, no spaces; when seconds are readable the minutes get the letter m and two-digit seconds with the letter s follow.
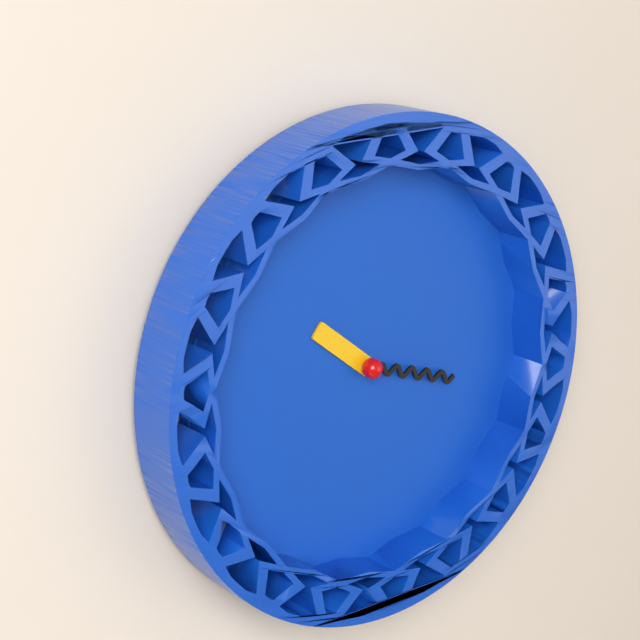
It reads 10h18
